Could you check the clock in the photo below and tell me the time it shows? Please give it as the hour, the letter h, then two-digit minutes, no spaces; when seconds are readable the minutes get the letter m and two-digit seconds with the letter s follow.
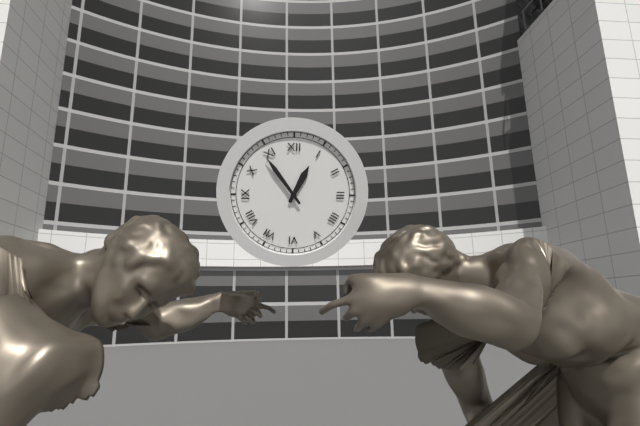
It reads 12h54
